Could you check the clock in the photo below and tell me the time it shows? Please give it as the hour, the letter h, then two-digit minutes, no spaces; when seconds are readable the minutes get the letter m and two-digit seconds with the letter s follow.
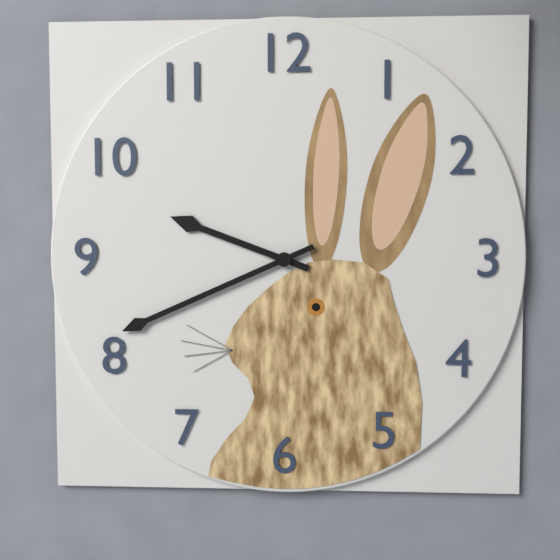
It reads 9h41
